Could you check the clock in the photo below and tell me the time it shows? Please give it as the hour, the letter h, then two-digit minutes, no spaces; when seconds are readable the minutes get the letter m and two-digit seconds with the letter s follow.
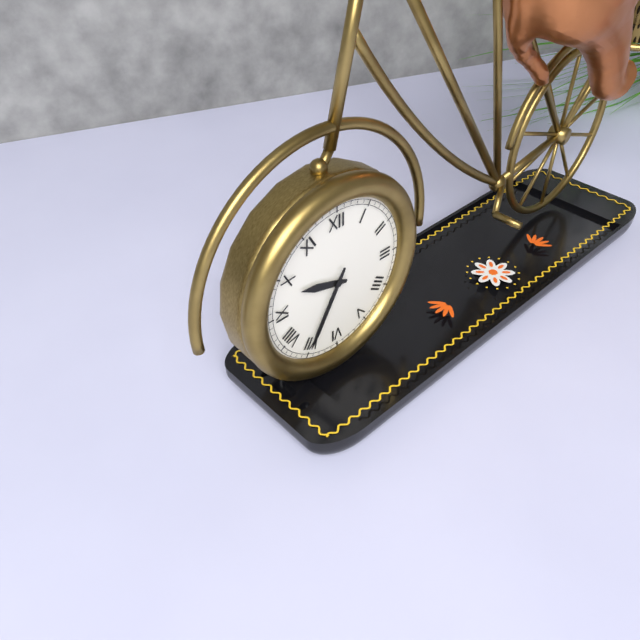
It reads 9h35
